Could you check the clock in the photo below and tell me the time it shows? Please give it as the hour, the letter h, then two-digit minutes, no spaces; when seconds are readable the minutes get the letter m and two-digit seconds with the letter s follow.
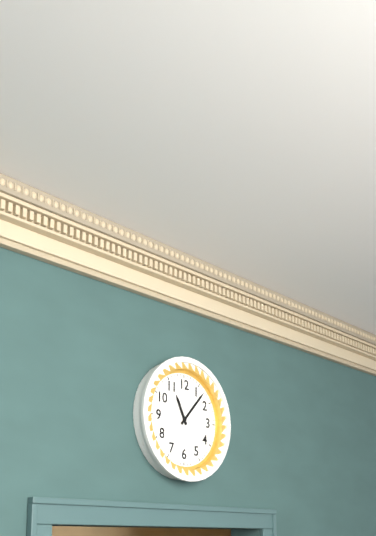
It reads 11h07
